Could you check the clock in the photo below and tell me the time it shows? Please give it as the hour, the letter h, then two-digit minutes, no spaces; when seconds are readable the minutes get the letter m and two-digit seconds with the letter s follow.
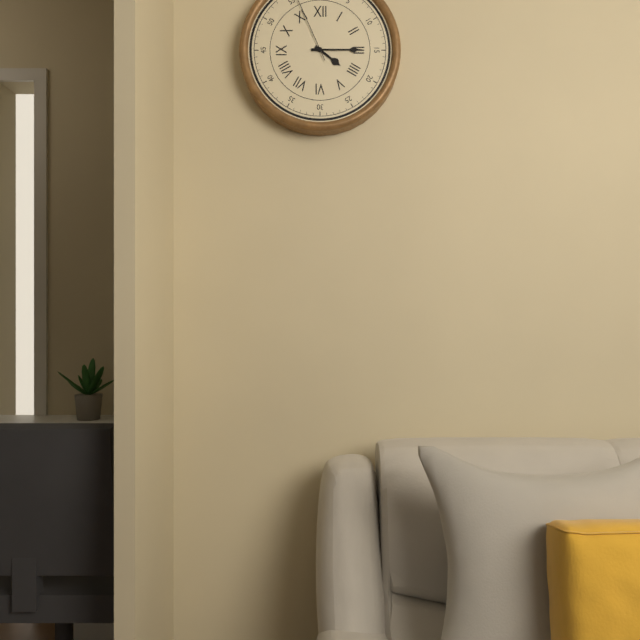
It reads 4h15
